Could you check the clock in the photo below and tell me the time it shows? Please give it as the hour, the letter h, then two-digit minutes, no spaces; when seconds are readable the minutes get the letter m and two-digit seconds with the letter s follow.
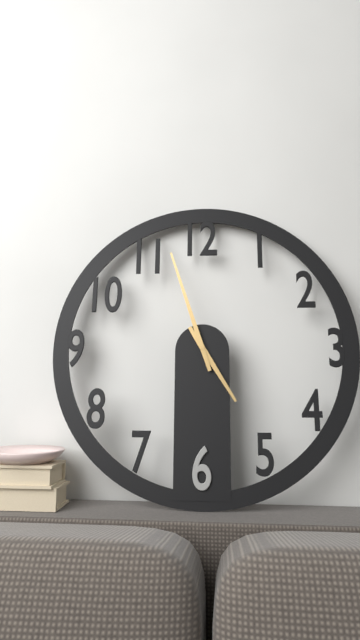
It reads 4h57
